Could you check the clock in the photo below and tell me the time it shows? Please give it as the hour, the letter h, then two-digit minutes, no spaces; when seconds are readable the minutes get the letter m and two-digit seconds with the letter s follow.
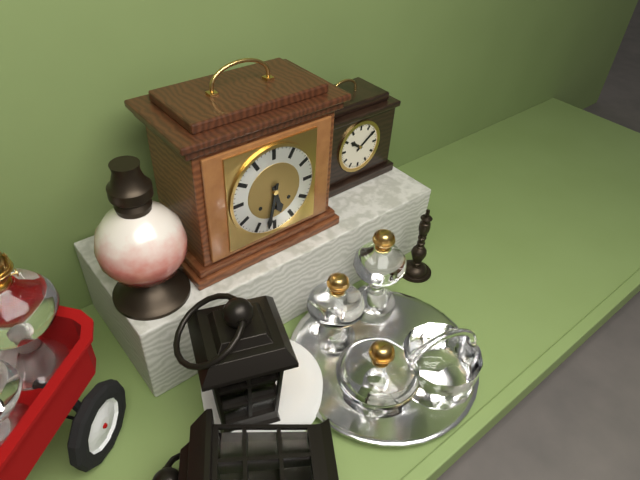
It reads 5h32
